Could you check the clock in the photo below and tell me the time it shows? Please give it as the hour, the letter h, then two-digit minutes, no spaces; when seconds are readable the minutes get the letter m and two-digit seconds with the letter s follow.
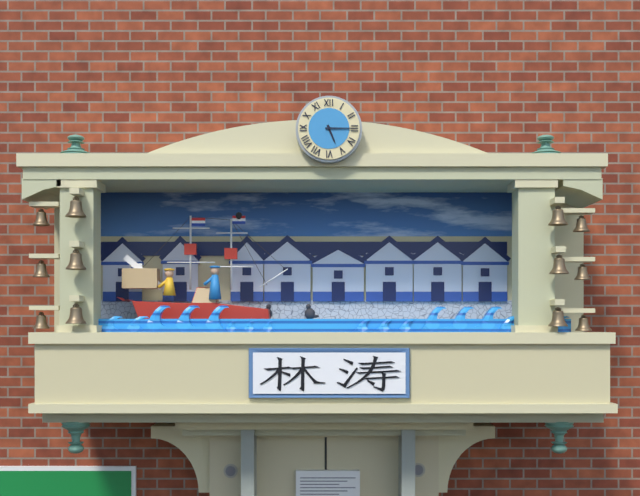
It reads 5h15
